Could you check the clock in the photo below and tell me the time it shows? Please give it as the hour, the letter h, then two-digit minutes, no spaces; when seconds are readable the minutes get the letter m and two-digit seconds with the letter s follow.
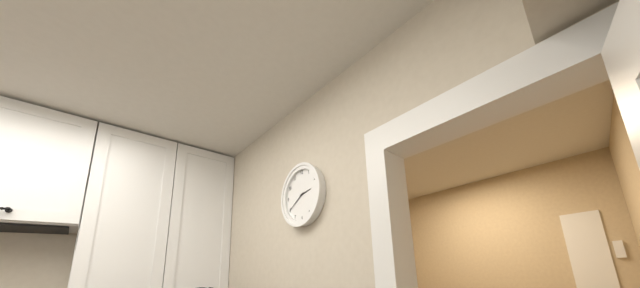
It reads 2h40
